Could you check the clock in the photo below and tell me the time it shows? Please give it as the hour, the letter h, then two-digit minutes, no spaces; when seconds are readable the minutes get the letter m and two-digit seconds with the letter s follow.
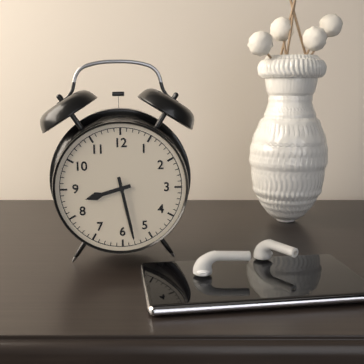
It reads 8h28
